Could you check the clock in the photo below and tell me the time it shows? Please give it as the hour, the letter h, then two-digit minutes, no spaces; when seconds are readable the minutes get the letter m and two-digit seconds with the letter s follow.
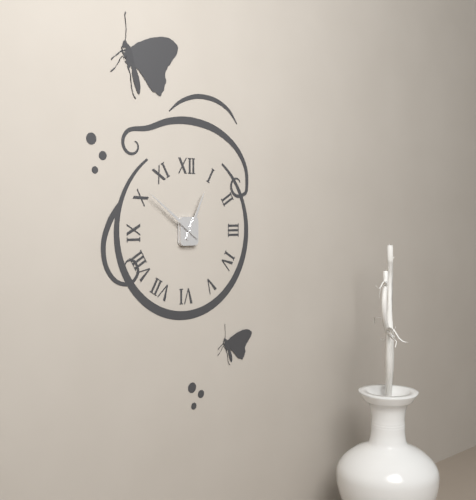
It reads 12h51
